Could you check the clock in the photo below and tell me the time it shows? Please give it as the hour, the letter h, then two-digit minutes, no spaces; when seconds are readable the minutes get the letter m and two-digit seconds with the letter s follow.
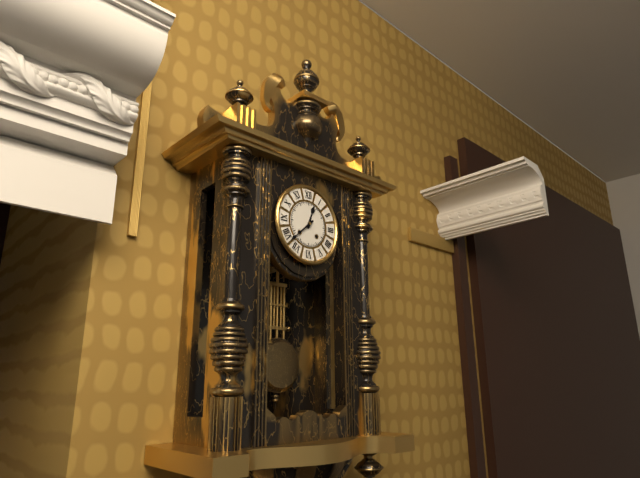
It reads 12h38
